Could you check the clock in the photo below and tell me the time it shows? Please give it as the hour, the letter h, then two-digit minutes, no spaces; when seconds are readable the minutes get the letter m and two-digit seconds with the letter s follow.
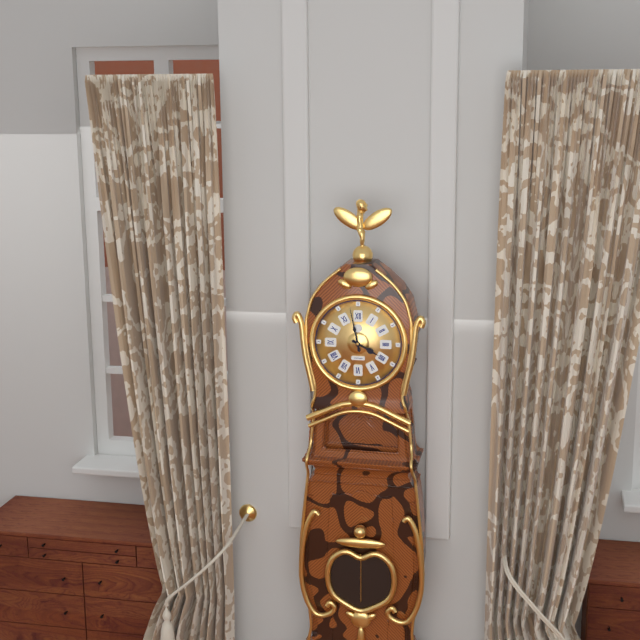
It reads 3h58
